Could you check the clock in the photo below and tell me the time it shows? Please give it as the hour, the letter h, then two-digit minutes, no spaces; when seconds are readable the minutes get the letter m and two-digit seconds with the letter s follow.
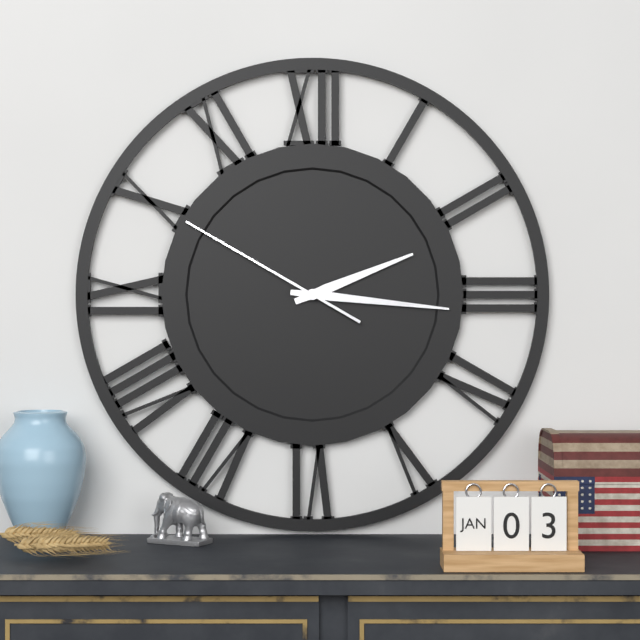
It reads 2h16m50s
